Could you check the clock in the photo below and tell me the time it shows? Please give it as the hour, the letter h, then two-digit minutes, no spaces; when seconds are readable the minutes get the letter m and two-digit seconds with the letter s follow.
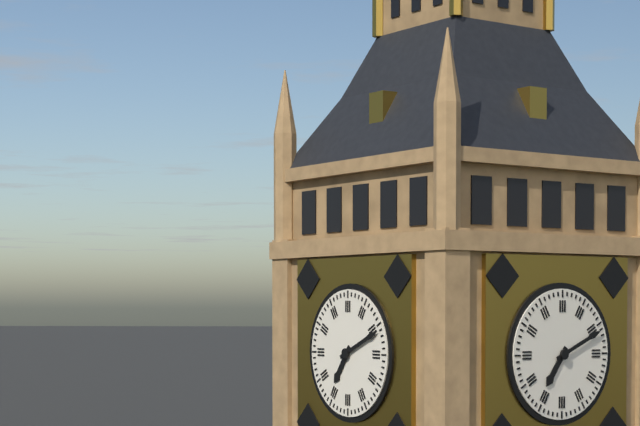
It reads 7h11
